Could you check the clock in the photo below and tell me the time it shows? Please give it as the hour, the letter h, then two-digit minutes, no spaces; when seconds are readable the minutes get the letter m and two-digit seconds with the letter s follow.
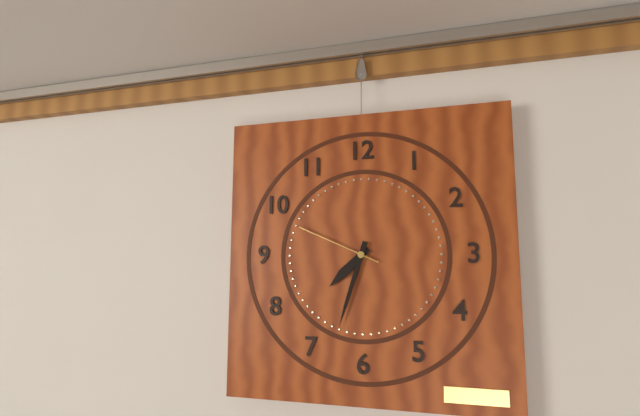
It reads 7h33m49s
